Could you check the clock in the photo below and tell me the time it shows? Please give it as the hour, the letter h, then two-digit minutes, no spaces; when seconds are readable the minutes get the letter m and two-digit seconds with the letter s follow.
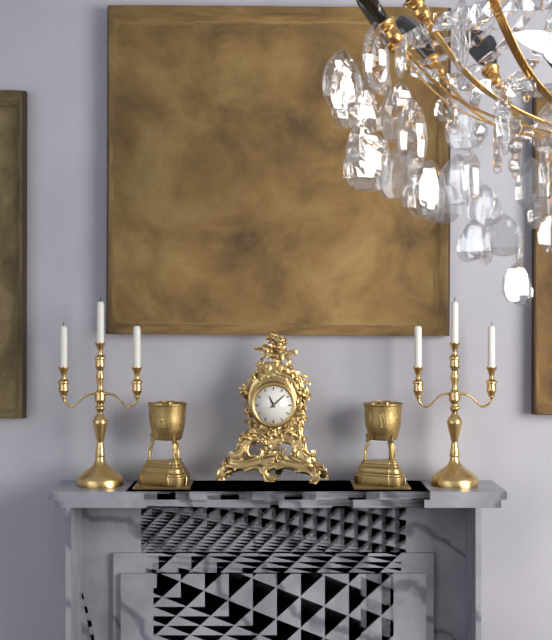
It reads 11h08
